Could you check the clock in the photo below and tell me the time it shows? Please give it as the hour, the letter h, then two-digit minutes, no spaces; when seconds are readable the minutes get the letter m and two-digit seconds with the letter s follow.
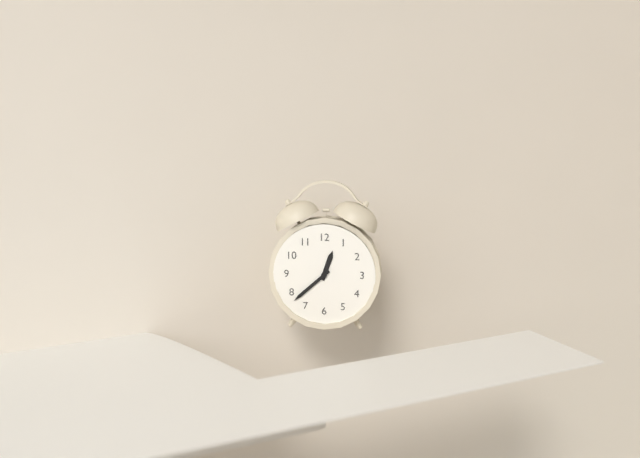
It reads 12h38
